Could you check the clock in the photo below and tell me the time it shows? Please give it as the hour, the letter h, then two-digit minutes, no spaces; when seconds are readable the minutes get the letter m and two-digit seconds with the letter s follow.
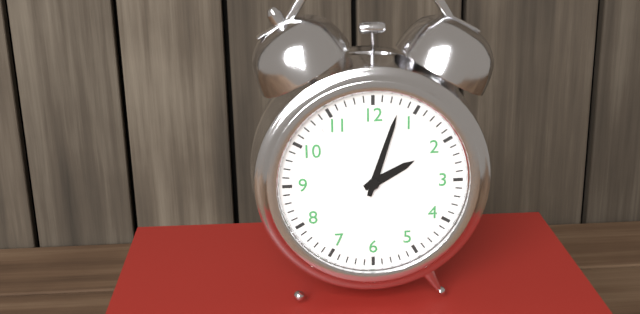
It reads 2h03
